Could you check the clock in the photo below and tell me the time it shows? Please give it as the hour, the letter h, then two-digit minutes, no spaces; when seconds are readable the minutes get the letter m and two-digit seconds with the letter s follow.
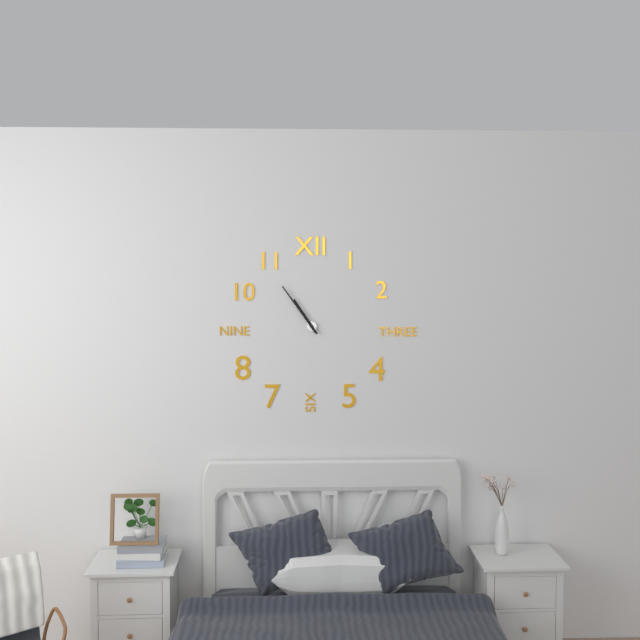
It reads 10h54
